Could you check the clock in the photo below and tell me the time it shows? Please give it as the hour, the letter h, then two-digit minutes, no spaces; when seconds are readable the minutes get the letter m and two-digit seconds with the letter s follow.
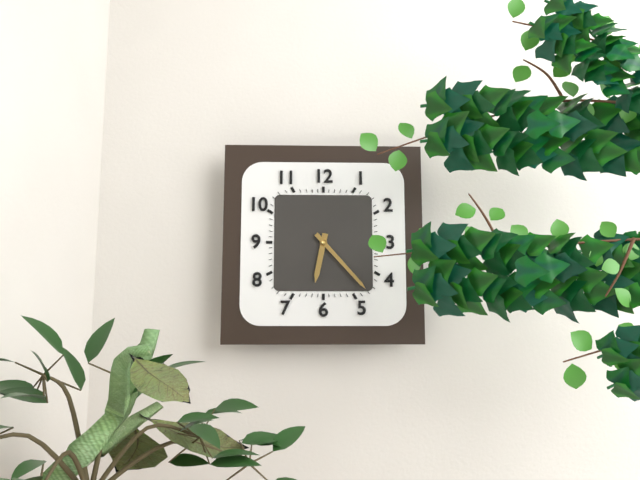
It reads 6h23
